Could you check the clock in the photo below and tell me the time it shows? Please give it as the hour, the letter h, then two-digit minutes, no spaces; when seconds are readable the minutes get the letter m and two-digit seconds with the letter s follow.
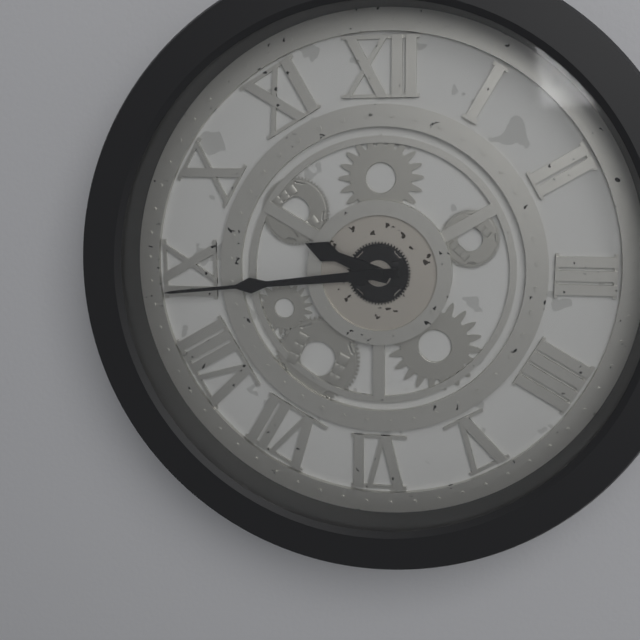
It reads 9h44
